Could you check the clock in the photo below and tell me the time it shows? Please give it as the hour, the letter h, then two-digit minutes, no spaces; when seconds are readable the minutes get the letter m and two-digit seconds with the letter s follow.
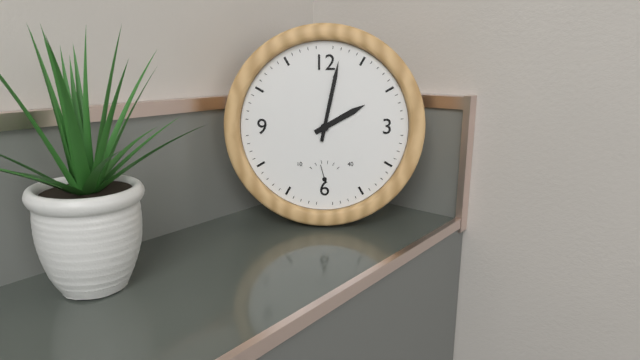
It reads 2h02
